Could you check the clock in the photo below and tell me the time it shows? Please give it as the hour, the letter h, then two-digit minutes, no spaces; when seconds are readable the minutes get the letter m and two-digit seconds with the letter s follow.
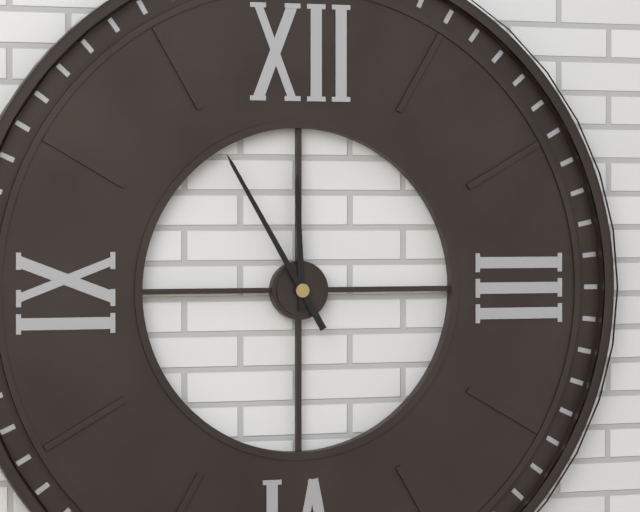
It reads 11h55
